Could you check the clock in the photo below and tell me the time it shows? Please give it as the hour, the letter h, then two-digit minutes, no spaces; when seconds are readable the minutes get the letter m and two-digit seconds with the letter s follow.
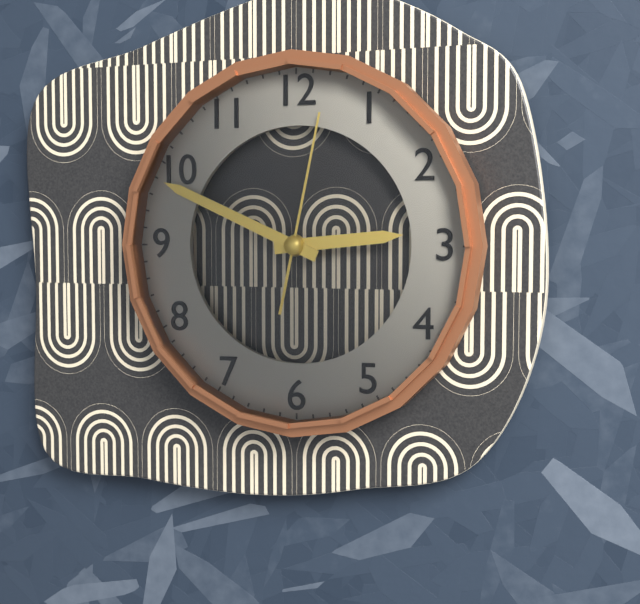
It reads 2h49m02s
